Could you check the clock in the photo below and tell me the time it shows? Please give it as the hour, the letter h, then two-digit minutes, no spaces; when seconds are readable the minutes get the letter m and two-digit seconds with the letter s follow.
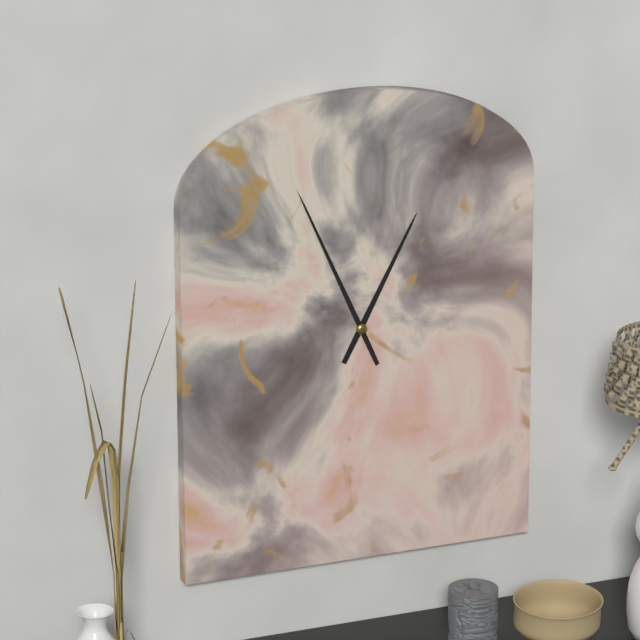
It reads 12h56
